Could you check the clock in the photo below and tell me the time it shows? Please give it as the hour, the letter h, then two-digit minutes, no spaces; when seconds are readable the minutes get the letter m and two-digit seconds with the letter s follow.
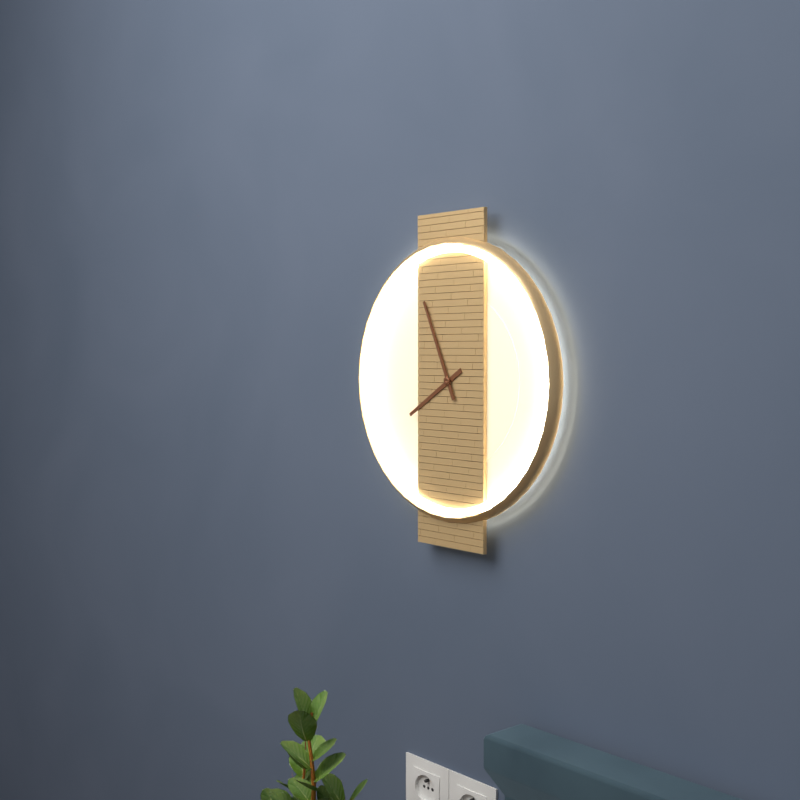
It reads 7h56
